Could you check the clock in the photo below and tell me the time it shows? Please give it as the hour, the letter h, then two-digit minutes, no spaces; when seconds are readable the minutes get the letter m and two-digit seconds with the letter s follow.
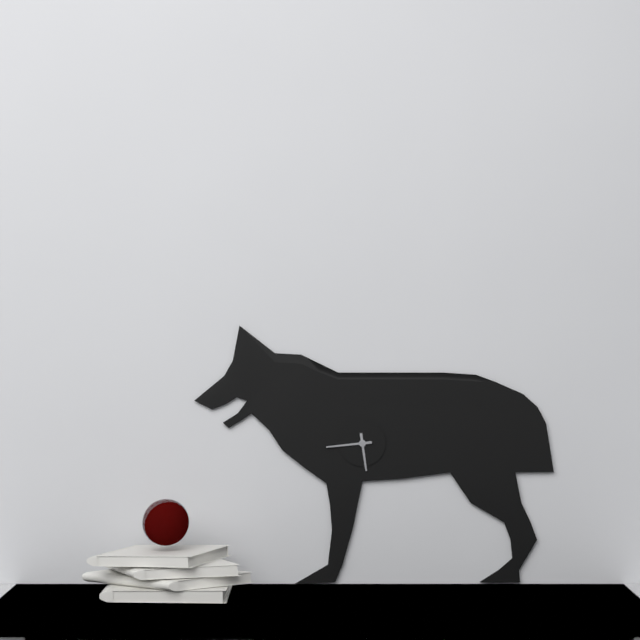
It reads 5h44
